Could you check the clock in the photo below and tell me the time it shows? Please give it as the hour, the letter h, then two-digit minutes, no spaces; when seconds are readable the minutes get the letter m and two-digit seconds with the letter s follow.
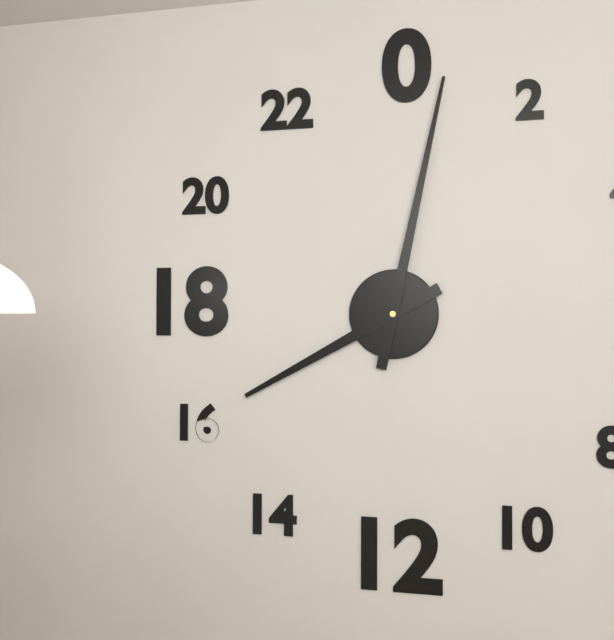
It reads 8h02
